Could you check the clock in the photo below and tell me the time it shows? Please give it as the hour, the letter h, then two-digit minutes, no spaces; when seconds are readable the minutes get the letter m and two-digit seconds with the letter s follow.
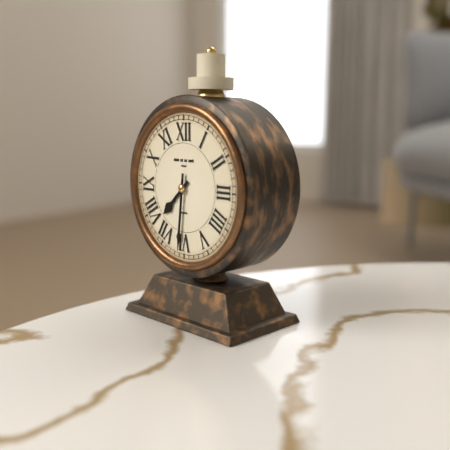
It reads 7h31
